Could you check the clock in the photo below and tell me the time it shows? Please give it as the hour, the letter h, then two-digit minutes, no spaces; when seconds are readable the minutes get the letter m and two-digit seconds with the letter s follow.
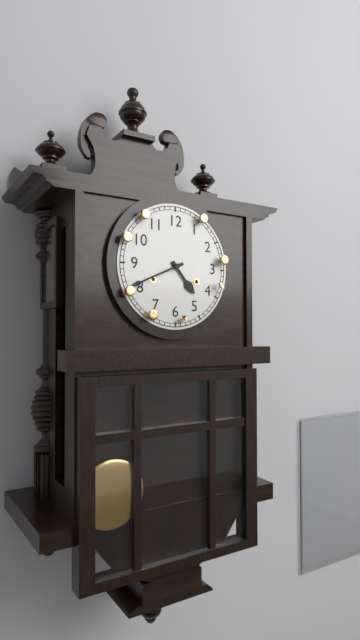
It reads 4h41
